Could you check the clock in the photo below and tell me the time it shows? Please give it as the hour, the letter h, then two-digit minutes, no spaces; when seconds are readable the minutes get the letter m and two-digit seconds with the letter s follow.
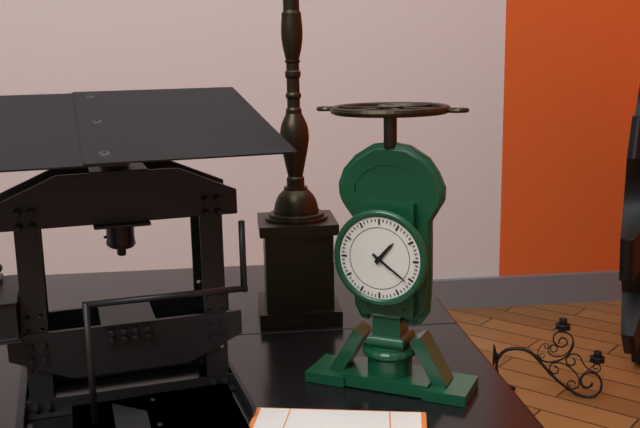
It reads 1h21
